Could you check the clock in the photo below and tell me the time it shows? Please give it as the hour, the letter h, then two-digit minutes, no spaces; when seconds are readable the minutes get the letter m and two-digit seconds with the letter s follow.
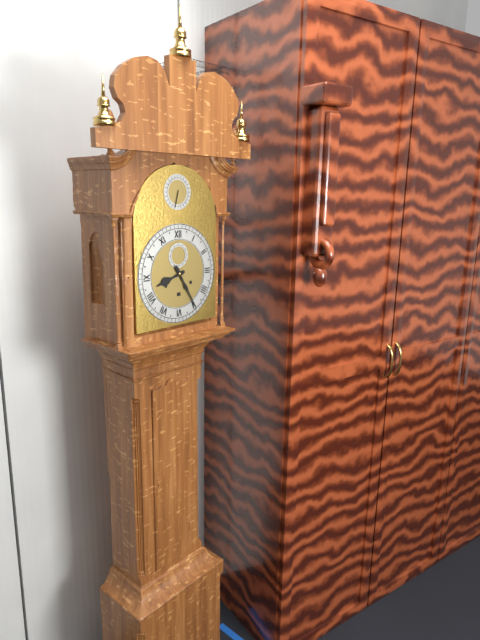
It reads 8h25
